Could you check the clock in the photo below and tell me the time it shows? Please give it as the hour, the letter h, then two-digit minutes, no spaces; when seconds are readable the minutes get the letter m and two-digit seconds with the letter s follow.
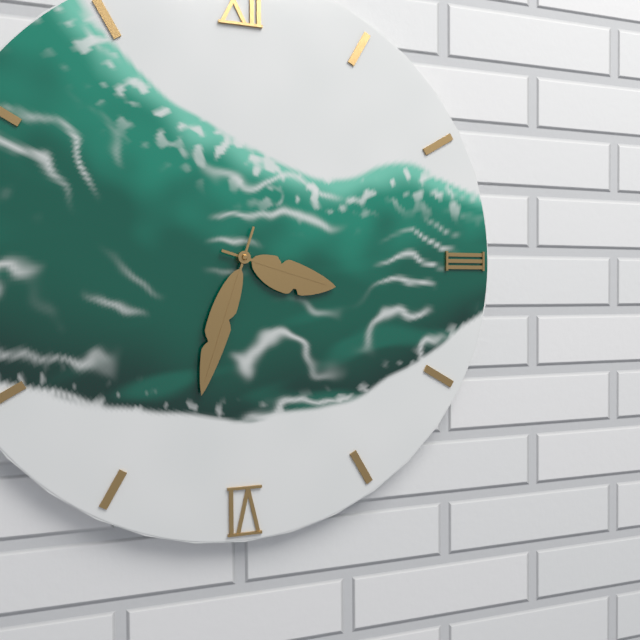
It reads 3h33
